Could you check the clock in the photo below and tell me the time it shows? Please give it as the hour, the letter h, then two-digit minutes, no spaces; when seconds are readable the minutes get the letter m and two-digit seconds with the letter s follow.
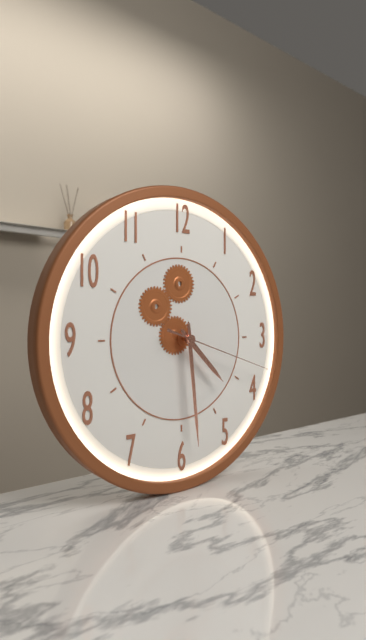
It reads 4h29m18s
